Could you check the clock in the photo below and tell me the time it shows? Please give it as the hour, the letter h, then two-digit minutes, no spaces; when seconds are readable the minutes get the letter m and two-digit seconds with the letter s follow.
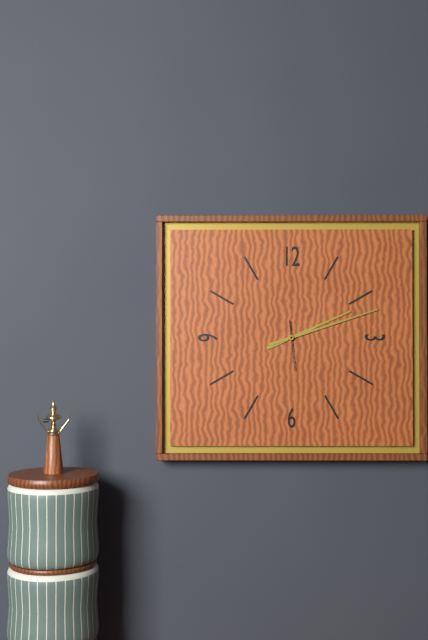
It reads 2h12
